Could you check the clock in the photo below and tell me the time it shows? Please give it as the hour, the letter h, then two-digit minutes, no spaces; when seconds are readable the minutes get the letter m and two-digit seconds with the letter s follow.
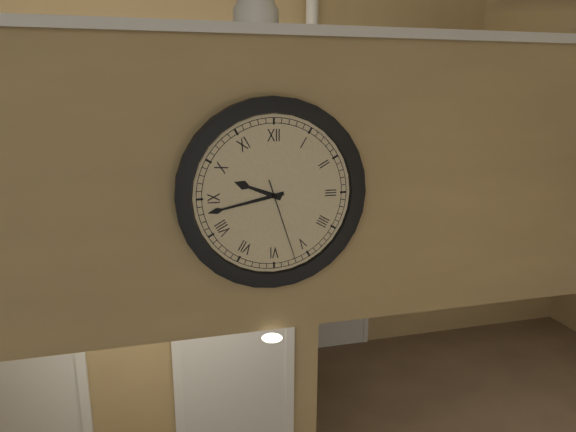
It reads 9h43m27s
